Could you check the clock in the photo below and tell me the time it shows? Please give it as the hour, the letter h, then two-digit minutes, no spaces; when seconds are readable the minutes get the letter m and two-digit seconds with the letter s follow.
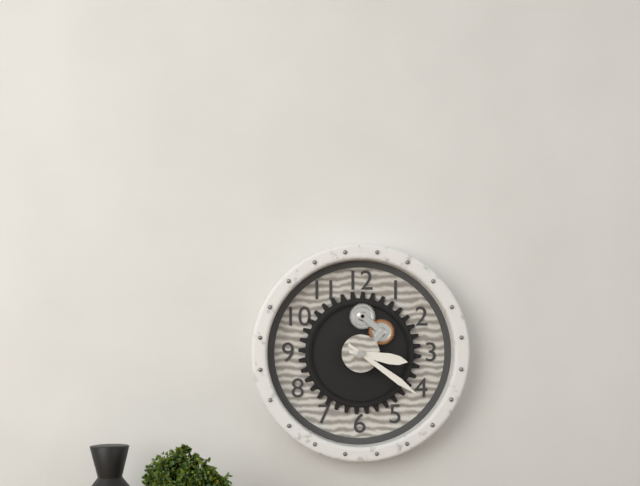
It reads 3h21
